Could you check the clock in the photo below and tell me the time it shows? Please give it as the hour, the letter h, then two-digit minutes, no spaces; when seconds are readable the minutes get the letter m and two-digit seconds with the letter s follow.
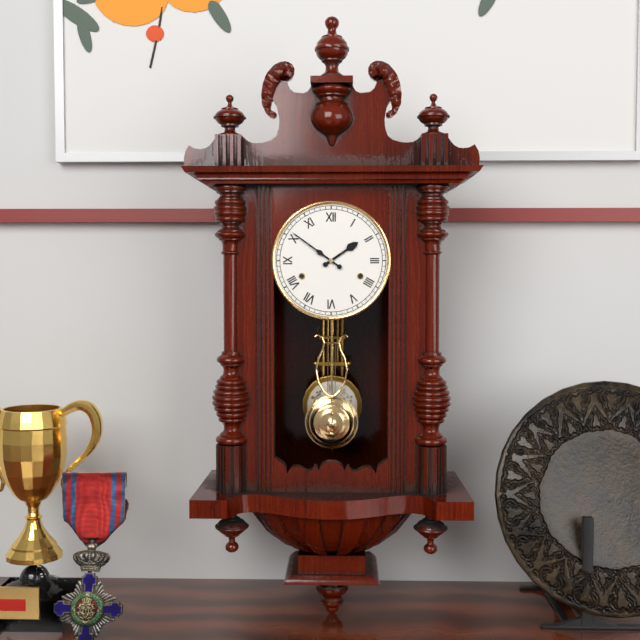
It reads 1h51
